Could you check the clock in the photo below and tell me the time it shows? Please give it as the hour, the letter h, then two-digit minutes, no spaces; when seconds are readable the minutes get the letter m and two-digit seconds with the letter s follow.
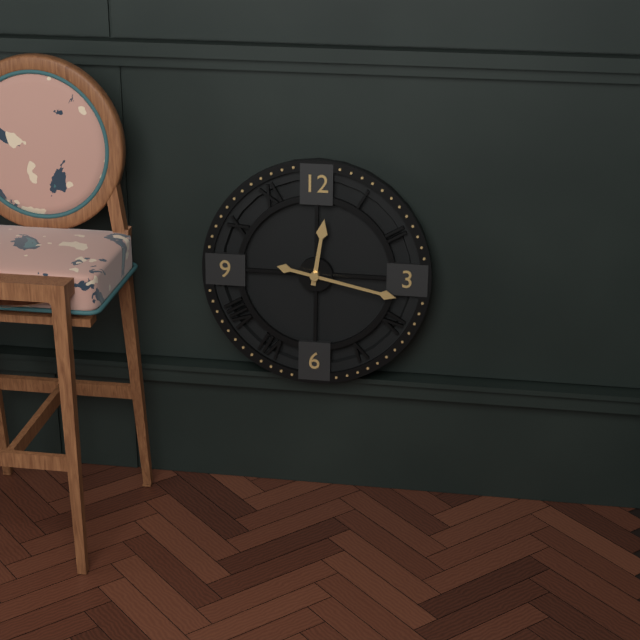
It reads 12h17
